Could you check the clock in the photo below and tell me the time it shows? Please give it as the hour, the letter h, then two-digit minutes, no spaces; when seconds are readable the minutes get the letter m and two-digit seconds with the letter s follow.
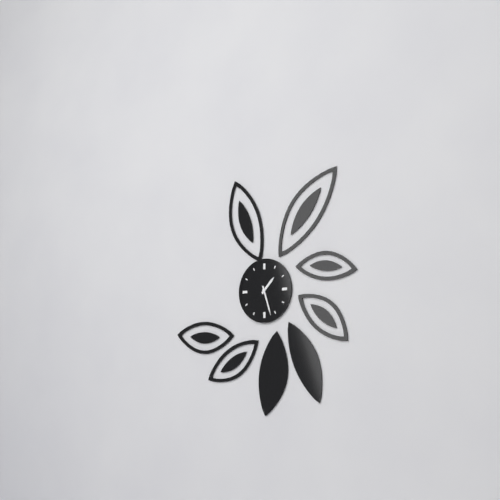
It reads 1h27
